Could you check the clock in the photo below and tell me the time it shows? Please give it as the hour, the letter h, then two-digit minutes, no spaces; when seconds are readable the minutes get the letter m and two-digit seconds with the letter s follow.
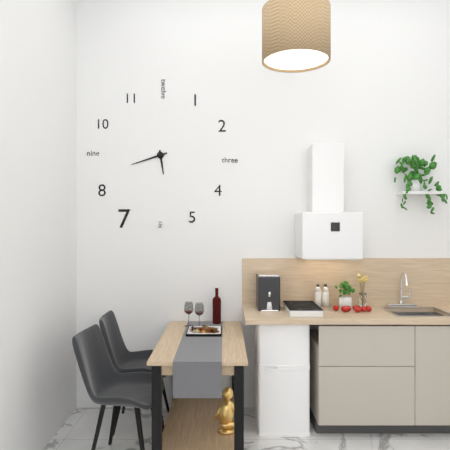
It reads 5h42
